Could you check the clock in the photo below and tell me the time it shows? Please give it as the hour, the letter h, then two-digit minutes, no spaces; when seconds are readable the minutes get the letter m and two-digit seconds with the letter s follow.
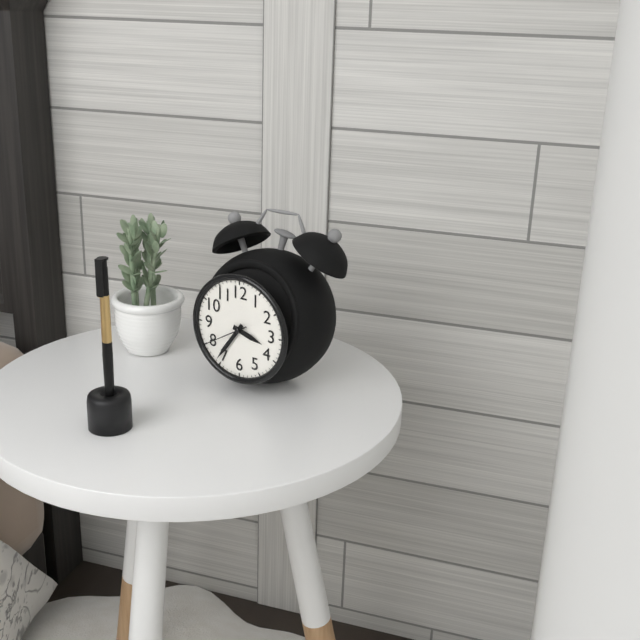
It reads 3h36
